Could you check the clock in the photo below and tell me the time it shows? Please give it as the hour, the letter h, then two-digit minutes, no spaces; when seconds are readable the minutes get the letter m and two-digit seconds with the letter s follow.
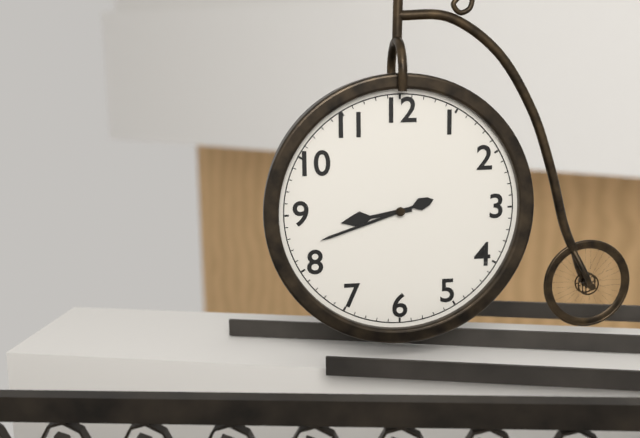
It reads 8h42
